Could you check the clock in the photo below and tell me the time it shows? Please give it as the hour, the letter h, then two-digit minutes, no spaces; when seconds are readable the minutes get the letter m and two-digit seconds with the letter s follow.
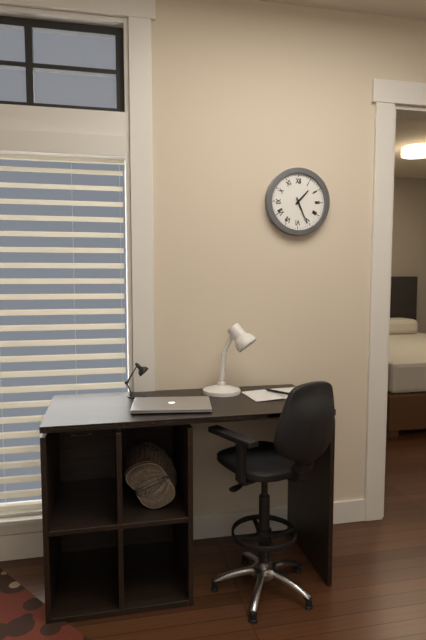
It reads 1h26
